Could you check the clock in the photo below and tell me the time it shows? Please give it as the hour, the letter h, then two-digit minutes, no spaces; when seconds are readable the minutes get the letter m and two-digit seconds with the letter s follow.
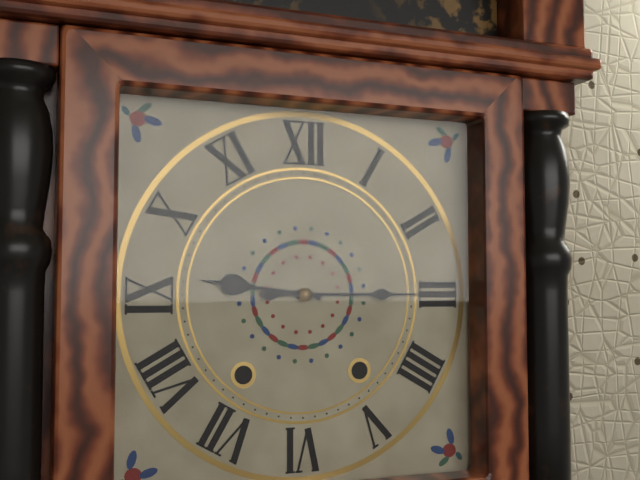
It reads 9h15
